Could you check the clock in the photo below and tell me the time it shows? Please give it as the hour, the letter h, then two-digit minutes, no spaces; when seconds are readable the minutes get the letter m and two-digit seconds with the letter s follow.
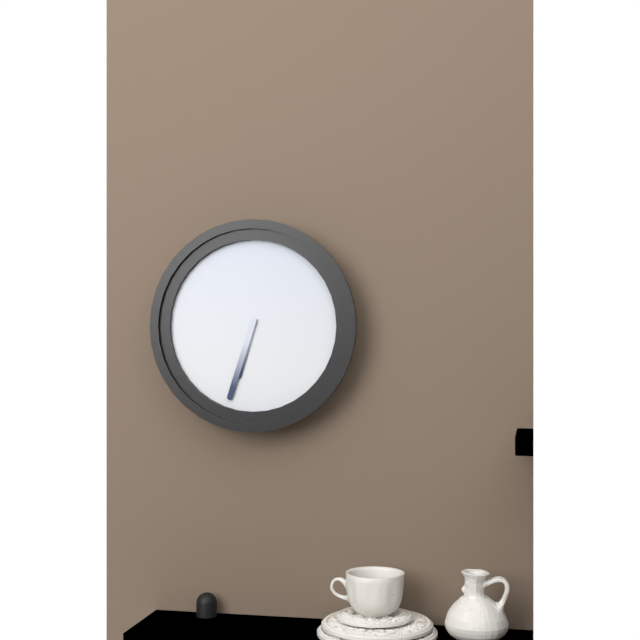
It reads 6h33
